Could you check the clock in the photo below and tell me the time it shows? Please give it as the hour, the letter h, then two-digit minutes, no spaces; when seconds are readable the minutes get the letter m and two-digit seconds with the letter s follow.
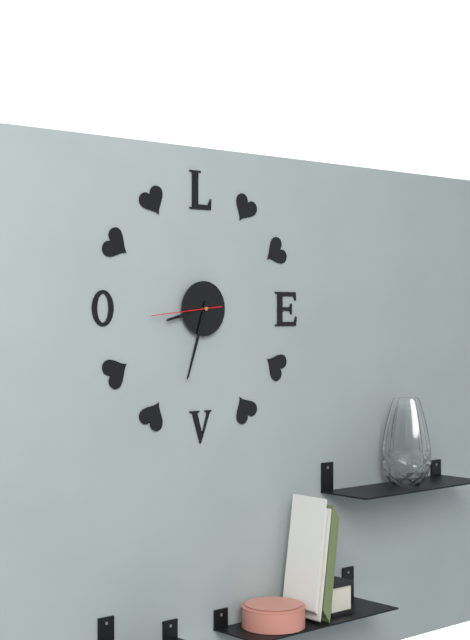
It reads 8h33m44s
